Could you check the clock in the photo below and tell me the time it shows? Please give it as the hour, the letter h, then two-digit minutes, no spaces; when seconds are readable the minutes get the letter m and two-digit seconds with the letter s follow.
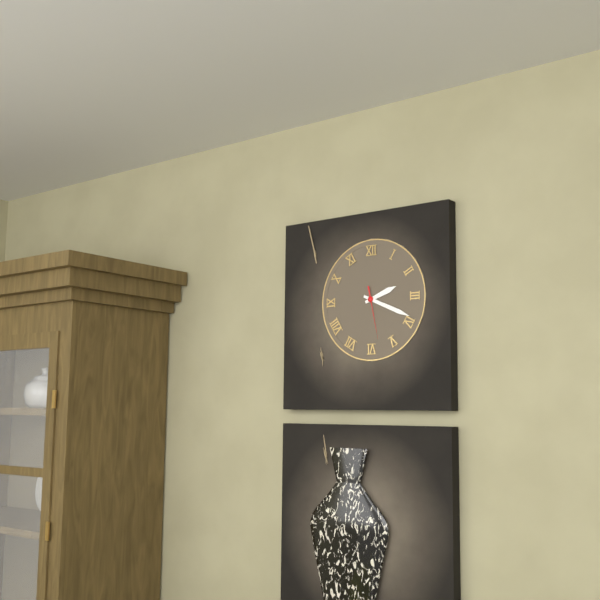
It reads 2h19
